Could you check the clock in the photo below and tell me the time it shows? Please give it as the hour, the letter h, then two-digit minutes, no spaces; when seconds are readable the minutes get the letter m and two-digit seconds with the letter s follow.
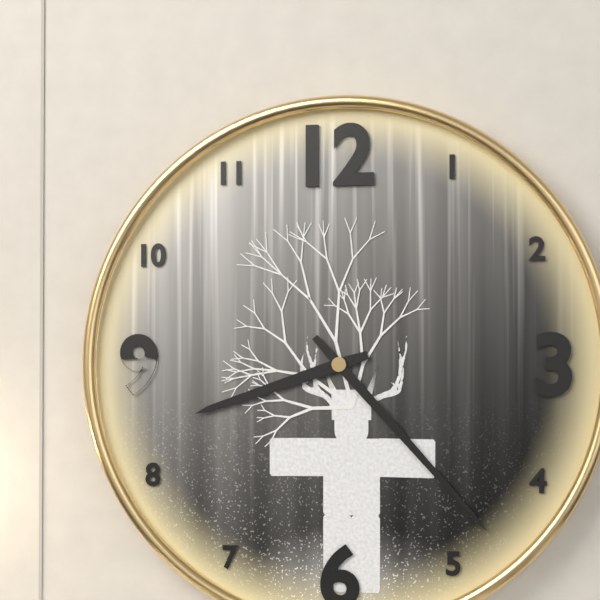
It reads 8h23
